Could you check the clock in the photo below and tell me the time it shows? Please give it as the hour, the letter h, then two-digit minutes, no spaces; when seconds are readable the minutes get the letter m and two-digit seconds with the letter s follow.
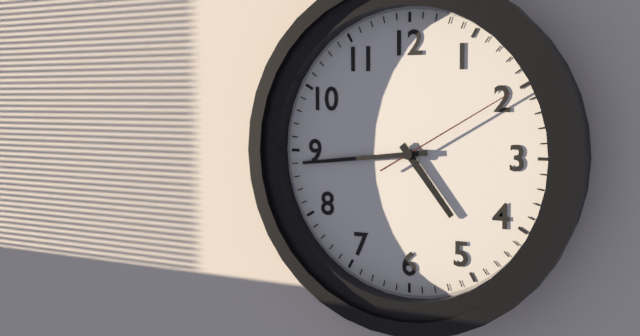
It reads 4h44m10s
